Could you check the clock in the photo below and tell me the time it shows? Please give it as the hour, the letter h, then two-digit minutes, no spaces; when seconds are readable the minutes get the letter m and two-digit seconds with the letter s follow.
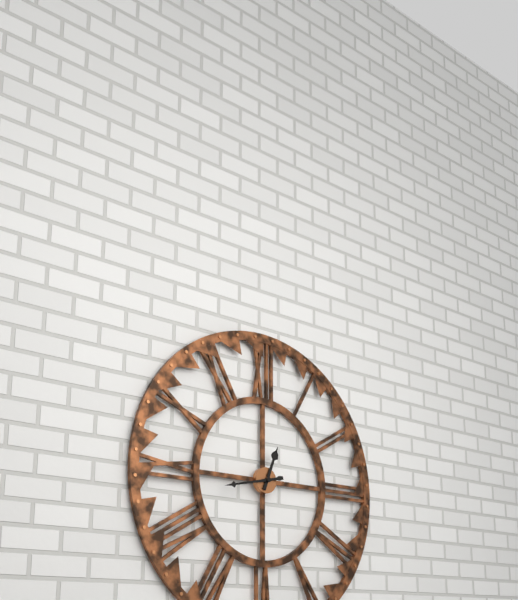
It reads 12h43
